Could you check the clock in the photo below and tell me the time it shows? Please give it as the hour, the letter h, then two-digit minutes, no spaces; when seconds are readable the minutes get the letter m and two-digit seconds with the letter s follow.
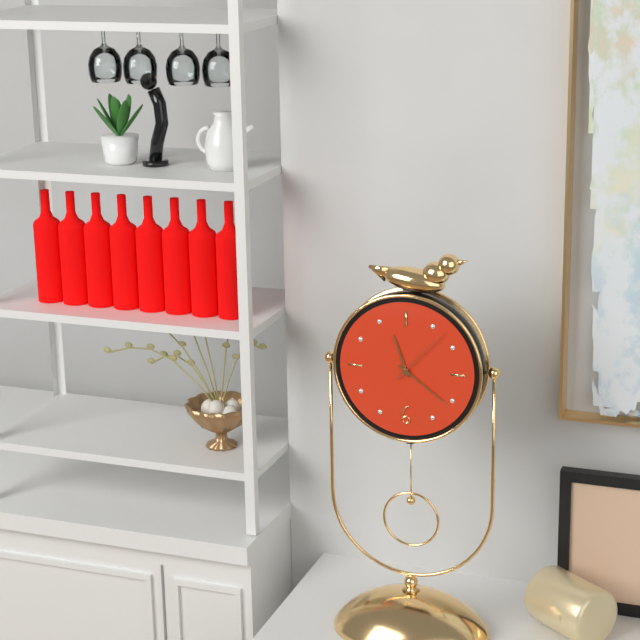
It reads 11h21m07s
